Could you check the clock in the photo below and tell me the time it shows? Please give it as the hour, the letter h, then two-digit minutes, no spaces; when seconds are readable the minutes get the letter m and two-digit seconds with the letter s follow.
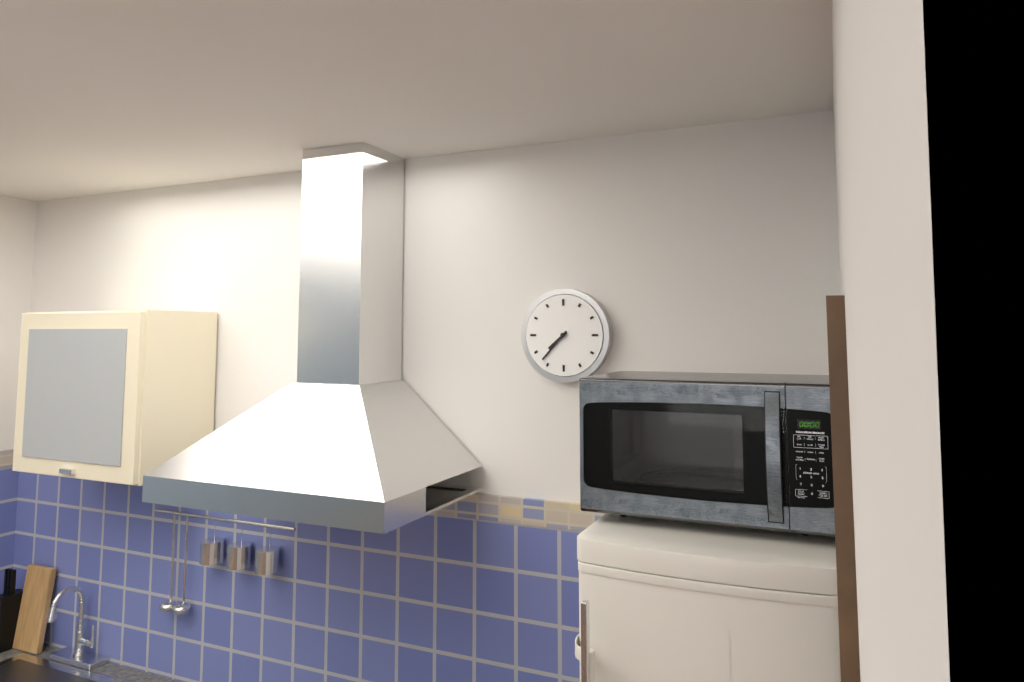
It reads 7h37
